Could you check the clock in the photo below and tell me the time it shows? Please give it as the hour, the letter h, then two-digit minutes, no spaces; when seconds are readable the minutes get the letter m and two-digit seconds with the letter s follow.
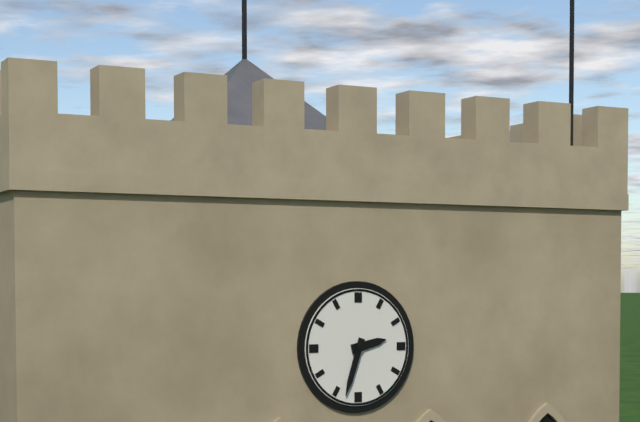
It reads 2h33
